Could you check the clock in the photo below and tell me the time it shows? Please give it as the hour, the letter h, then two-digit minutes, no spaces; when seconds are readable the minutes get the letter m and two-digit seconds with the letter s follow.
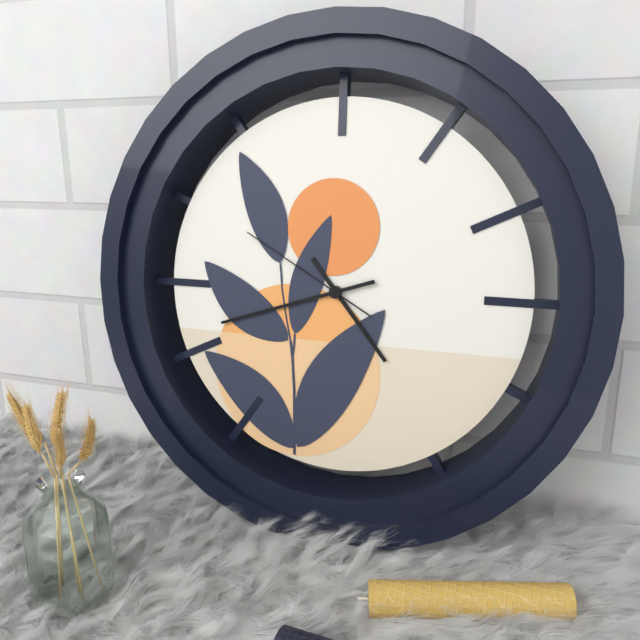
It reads 4h42m50s
